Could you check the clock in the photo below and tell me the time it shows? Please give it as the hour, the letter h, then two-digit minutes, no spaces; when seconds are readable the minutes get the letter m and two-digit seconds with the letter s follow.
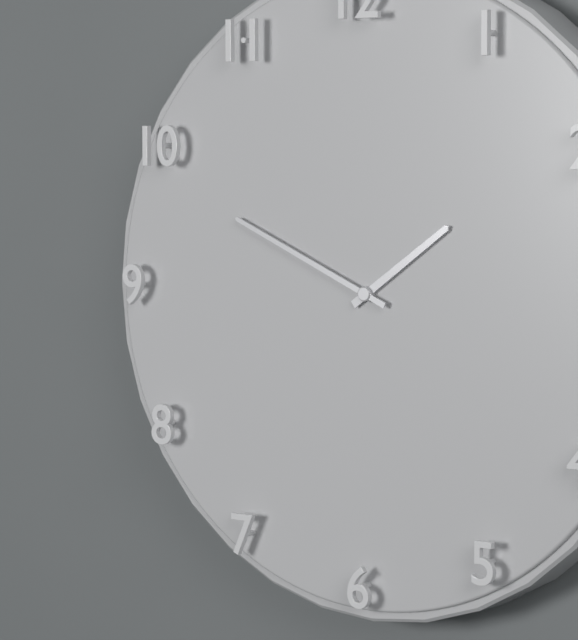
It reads 1h49
